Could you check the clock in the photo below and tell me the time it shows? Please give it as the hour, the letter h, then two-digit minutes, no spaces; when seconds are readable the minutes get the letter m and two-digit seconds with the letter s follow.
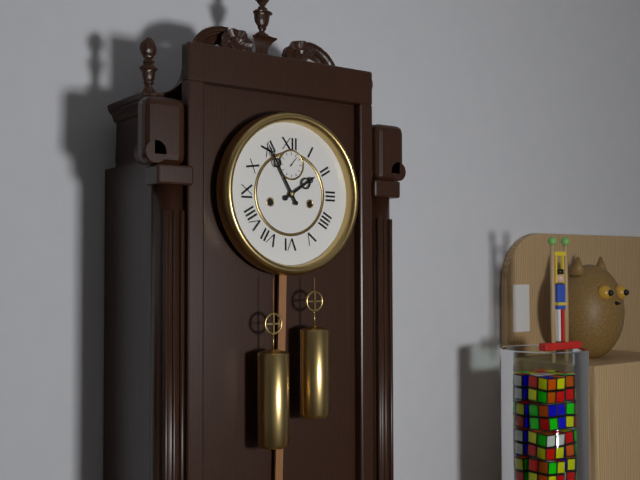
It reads 1h55
